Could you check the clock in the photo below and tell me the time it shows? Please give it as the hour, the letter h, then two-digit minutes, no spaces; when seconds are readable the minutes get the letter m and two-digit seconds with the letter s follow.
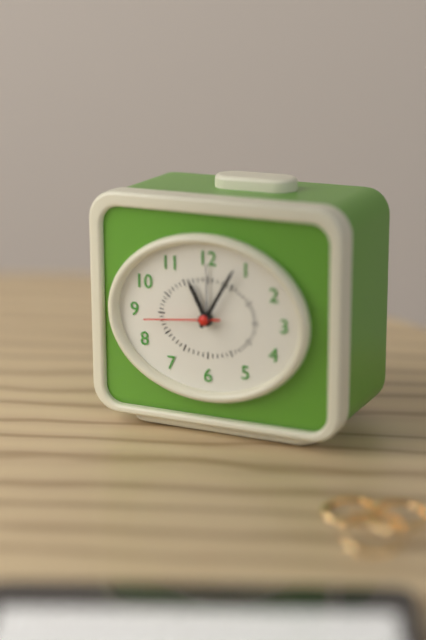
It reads 11h05m44s
